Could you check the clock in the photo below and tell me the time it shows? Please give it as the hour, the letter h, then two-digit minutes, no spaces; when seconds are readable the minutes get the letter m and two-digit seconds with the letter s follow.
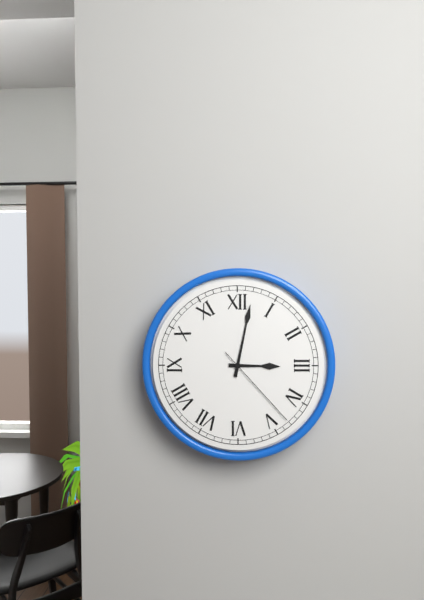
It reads 3h02m23s
